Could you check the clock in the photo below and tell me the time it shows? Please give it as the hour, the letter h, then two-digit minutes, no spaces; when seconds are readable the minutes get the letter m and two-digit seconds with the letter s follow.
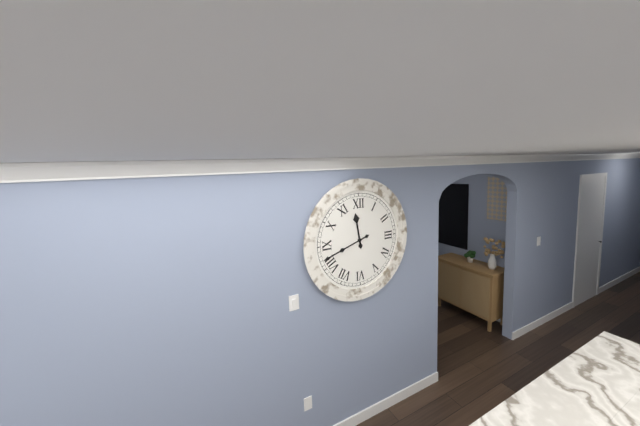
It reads 11h42
